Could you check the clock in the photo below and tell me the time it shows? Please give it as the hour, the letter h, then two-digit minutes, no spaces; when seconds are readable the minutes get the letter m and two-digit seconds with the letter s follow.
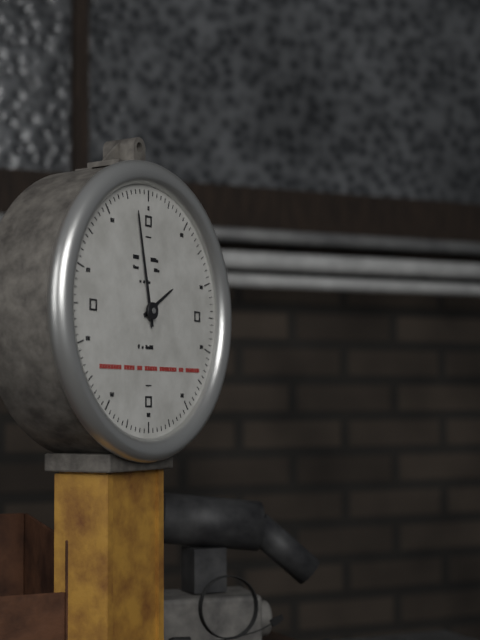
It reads 1h58
